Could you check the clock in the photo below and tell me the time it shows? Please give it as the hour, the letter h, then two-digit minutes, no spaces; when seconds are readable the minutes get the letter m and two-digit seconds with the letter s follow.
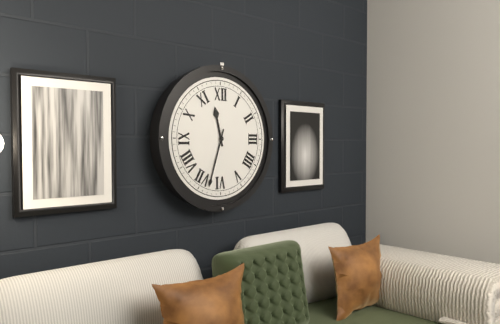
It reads 11h33
